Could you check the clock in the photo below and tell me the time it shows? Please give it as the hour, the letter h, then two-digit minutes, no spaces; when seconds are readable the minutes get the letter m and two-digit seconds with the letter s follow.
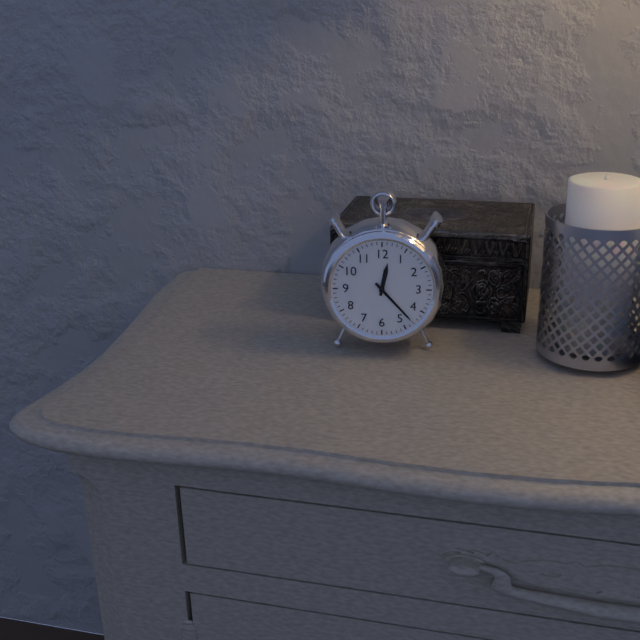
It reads 12h23
